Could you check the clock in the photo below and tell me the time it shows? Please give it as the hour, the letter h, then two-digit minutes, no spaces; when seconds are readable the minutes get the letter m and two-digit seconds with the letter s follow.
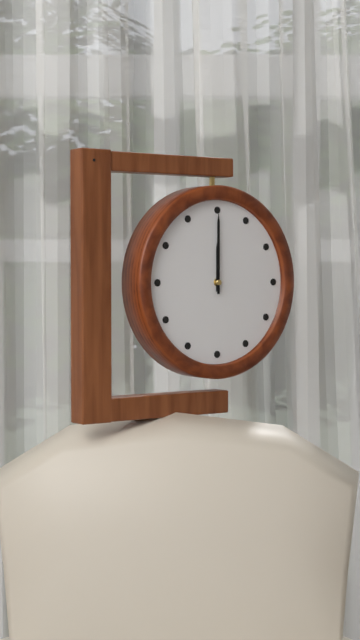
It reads 12h00
